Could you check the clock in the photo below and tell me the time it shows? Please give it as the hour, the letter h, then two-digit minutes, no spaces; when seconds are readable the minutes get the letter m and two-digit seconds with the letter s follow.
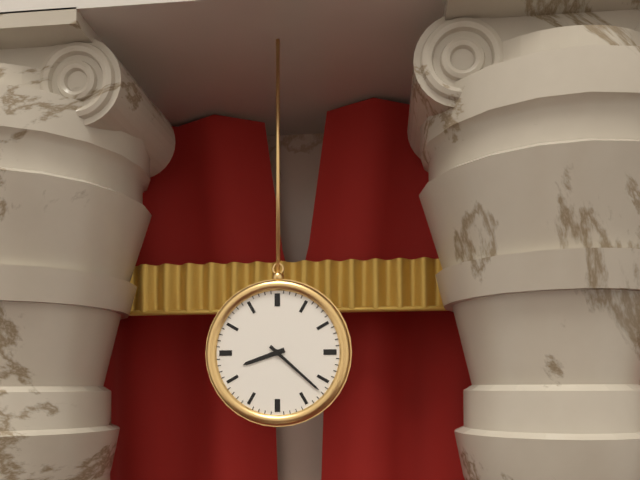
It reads 8h22
